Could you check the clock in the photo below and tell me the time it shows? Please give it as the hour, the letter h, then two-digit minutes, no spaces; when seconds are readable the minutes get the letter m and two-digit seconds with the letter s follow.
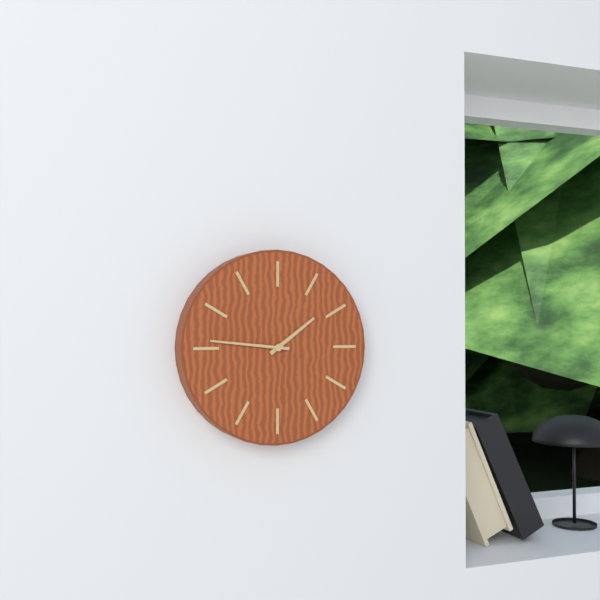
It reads 1h46
